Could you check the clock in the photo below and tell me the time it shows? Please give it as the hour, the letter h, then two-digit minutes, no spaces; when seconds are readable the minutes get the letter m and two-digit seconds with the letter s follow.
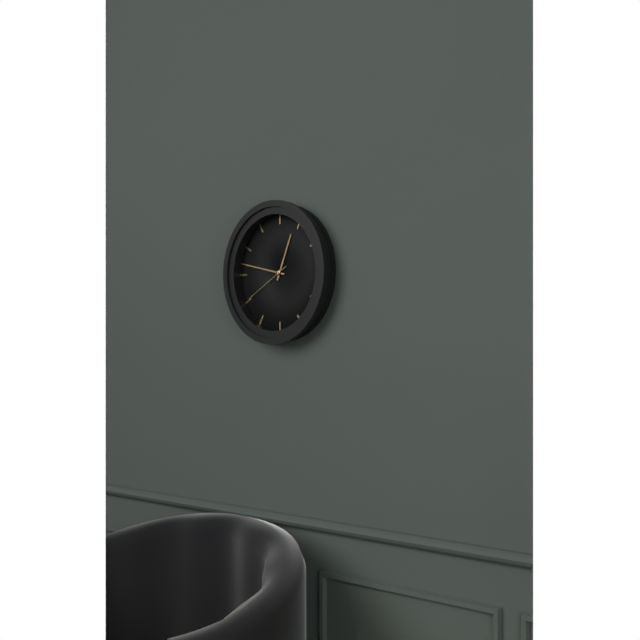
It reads 12h47
